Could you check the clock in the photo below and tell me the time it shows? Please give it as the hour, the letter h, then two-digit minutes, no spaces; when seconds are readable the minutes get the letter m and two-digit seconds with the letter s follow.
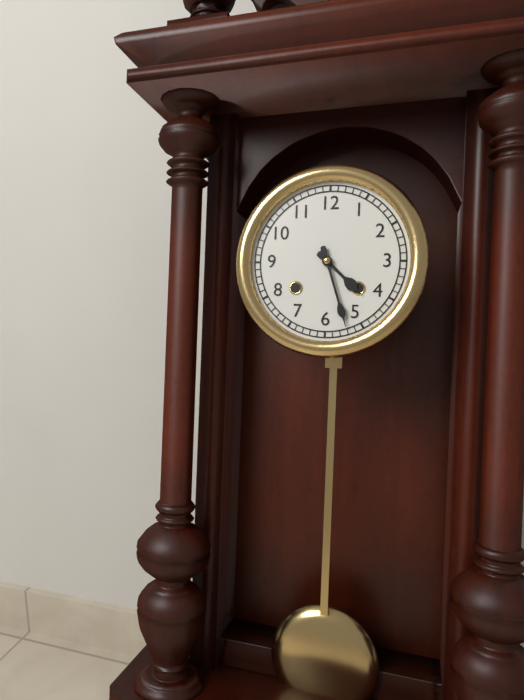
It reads 4h27
